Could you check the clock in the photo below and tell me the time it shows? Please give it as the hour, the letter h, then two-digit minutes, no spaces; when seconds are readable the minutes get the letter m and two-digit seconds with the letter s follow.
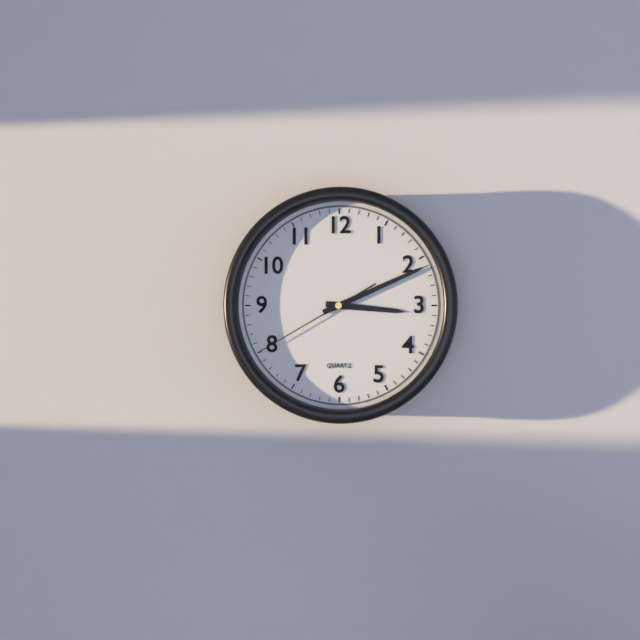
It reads 3h11m40s
